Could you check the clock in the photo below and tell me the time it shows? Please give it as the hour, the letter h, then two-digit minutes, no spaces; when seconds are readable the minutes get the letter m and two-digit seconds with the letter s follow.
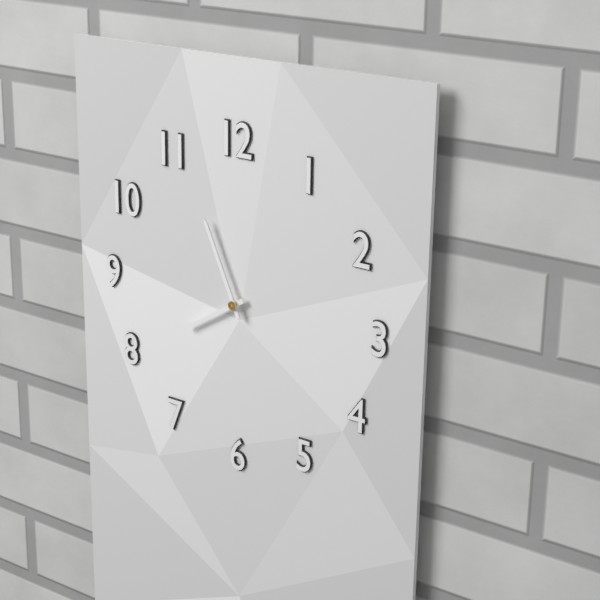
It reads 7h56
